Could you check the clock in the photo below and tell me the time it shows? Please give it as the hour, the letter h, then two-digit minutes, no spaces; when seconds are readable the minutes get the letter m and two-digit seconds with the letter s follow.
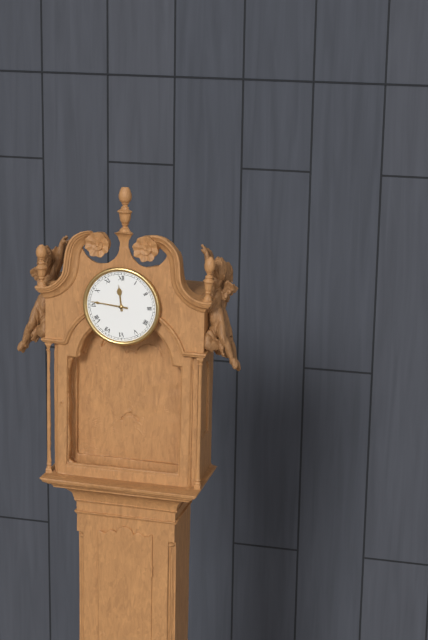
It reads 11h46
